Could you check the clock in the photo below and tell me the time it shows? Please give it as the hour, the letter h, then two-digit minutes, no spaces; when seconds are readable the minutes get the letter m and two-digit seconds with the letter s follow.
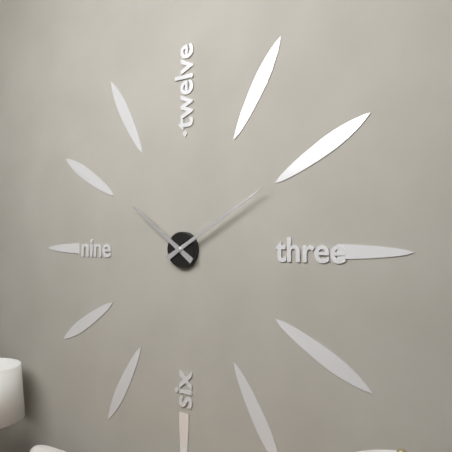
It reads 10h10
